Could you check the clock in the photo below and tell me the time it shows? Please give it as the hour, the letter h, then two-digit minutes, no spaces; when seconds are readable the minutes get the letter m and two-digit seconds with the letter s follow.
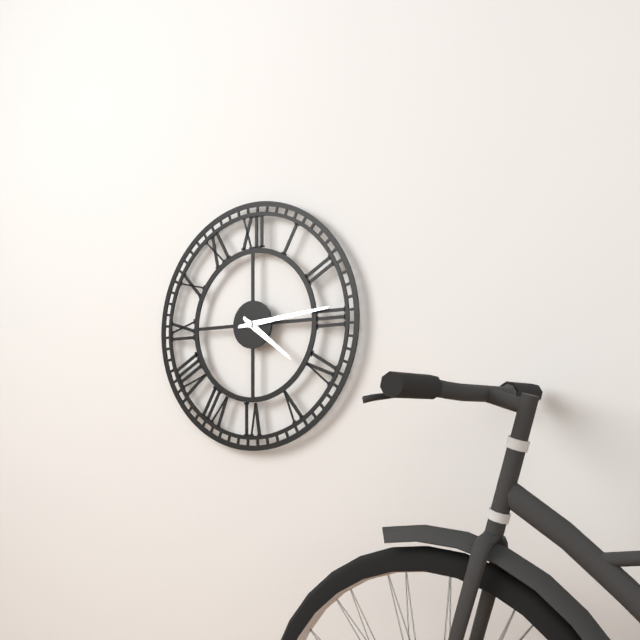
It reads 4h14
